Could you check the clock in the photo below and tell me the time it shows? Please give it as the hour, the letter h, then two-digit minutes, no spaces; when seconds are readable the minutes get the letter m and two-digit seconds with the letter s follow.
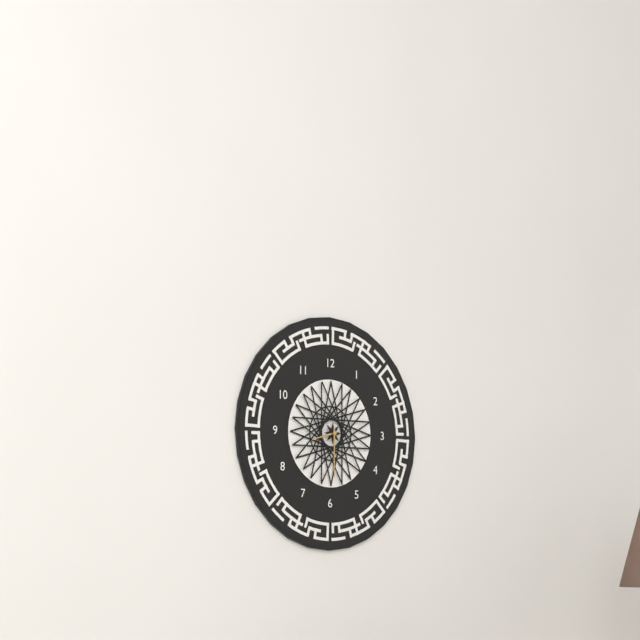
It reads 8h30
